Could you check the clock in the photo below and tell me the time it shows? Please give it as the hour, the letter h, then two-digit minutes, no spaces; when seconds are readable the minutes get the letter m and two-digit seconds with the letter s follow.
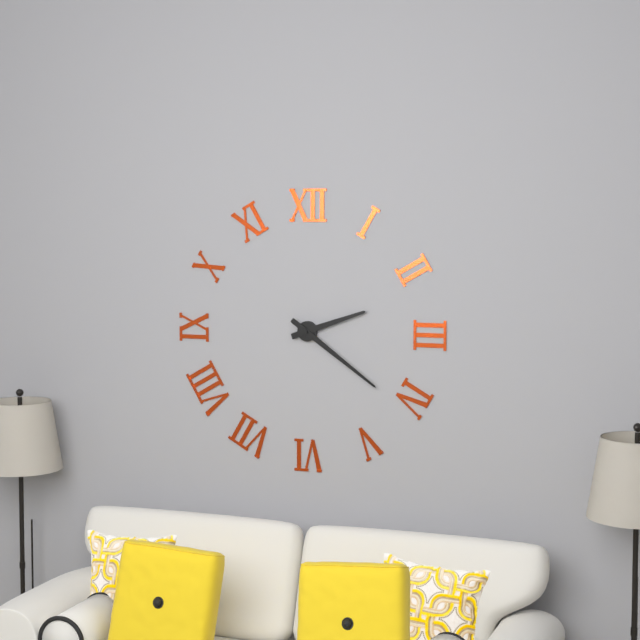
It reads 2h21
